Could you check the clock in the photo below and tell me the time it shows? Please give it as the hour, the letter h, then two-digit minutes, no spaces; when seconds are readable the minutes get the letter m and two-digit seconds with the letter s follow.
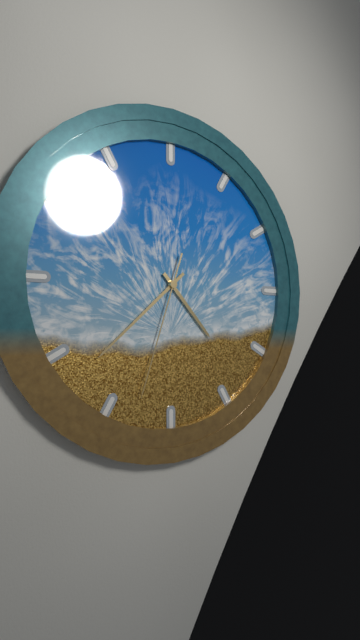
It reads 4h38m33s
